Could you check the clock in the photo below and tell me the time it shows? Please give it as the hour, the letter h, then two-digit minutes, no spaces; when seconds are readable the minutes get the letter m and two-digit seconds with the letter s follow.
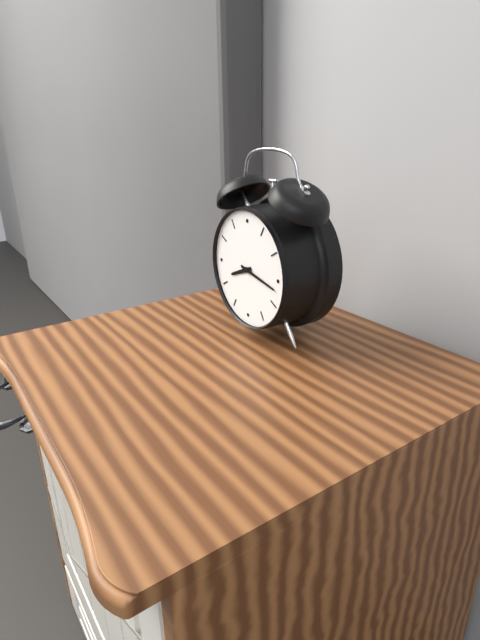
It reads 8h17
